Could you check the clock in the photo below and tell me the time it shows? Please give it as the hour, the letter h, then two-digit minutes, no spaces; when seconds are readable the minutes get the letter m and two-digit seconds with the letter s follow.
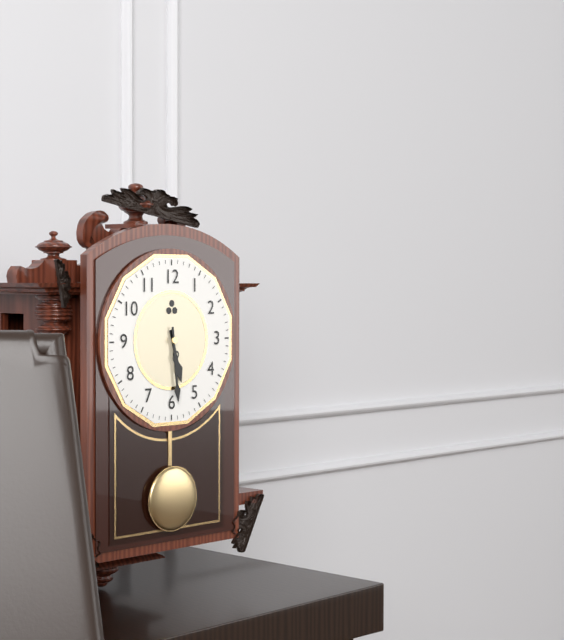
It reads 5h29
